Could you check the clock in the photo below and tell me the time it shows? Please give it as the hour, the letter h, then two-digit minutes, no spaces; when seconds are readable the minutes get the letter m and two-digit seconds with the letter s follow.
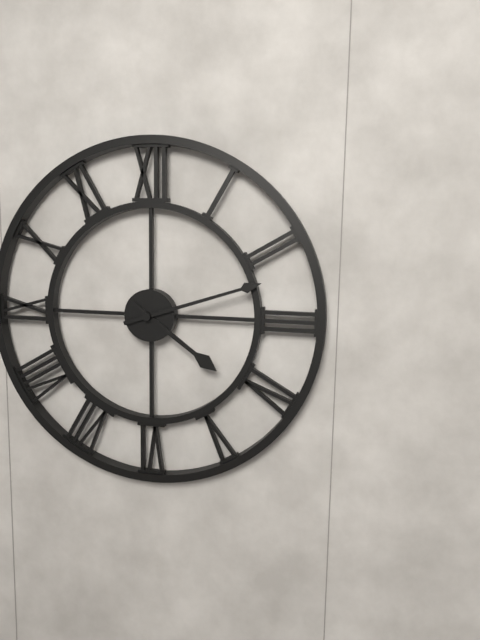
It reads 4h12
